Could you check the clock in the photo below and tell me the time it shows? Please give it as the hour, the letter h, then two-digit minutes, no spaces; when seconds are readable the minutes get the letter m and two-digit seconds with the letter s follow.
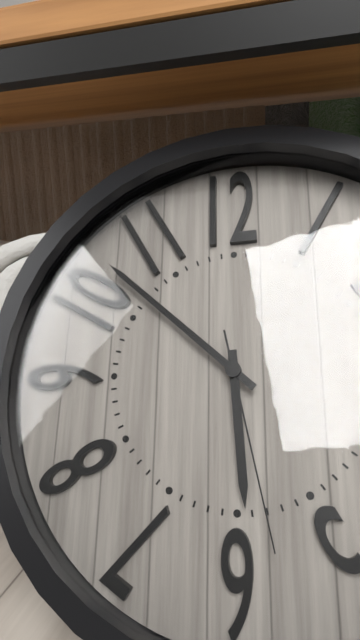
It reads 5h52m28s
